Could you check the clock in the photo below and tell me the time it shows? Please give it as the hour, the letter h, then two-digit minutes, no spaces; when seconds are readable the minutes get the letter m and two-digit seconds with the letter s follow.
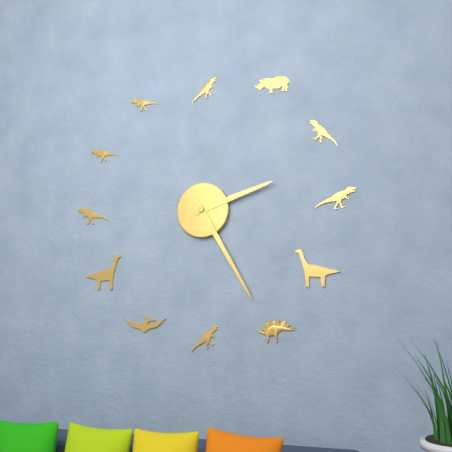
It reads 2h25
